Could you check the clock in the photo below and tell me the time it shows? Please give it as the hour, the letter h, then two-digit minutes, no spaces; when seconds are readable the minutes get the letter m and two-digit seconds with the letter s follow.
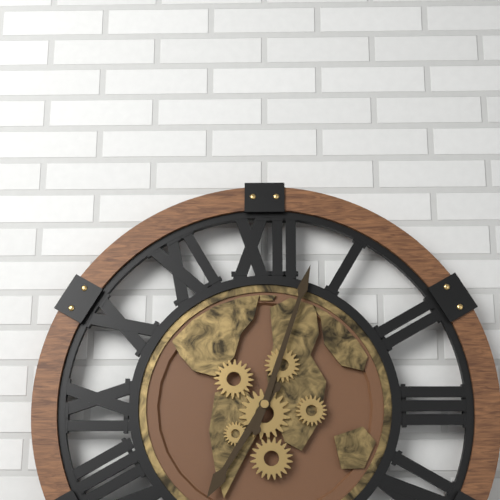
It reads 7h03
